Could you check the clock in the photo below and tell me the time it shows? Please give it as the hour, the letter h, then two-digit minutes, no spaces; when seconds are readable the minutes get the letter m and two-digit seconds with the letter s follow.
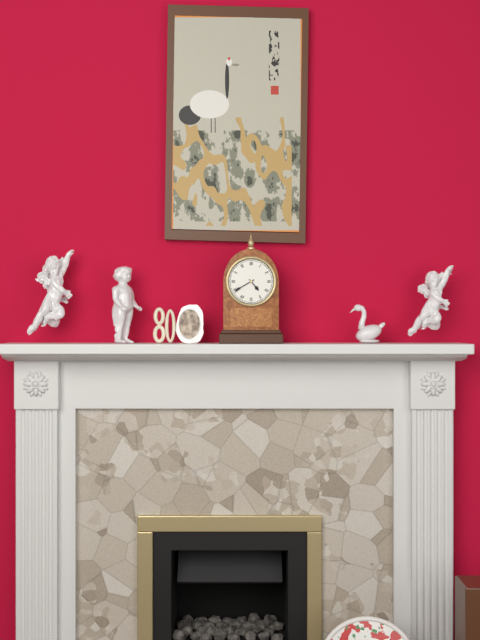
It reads 4h40
